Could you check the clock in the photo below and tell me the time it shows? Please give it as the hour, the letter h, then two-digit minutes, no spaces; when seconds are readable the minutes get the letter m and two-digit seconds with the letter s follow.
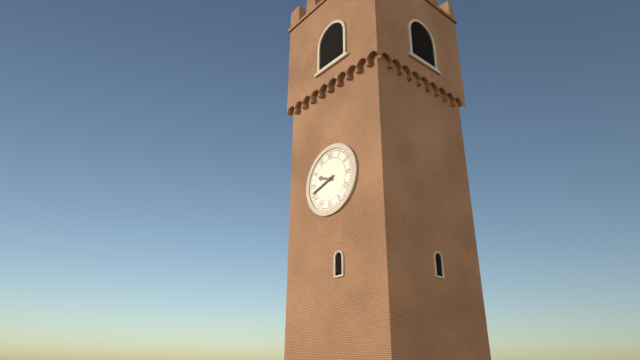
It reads 9h42
